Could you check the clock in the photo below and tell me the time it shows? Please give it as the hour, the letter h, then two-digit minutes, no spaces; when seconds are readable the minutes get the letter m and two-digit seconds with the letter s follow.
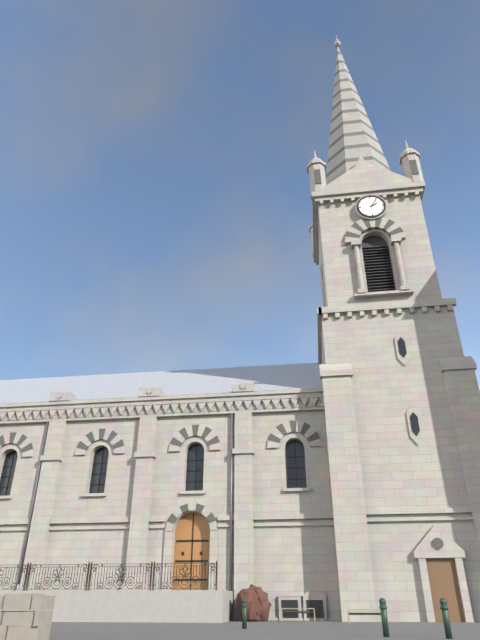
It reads 2h06
